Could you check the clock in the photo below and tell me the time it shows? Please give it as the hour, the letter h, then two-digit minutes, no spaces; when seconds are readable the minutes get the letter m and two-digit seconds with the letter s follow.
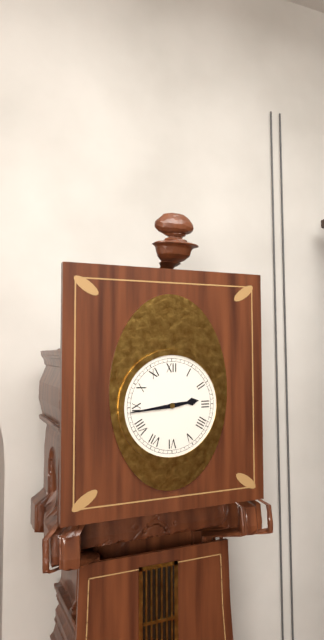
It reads 2h44
